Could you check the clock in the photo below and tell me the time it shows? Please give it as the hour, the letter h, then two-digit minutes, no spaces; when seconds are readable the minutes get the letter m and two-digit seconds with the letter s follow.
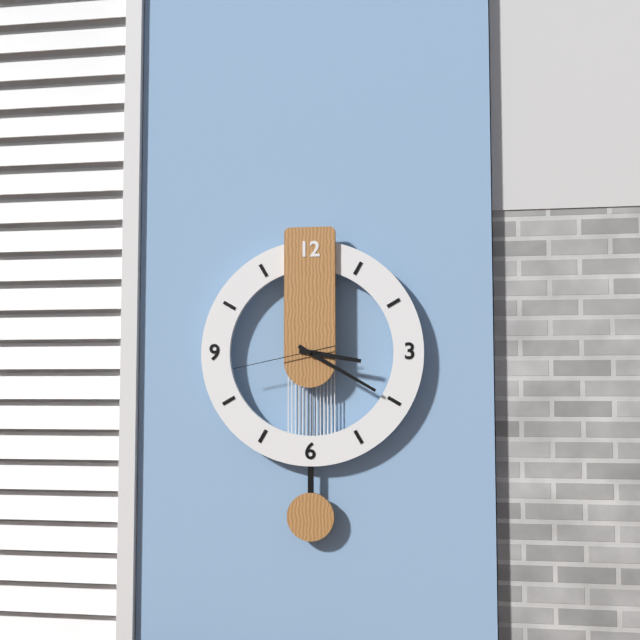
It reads 3h20m43s
